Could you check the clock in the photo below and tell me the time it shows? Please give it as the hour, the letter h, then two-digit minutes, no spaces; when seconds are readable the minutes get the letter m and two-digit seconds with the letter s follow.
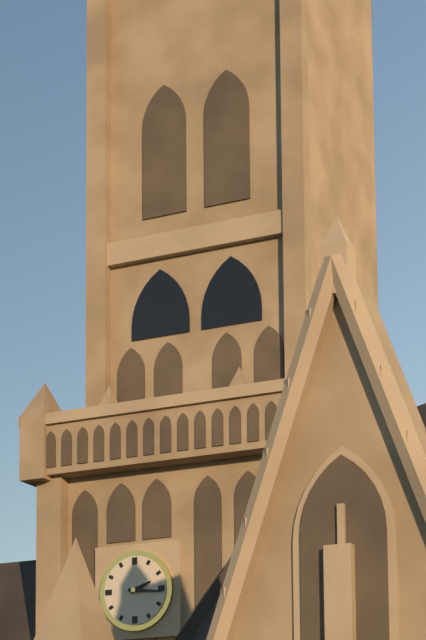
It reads 2h16
